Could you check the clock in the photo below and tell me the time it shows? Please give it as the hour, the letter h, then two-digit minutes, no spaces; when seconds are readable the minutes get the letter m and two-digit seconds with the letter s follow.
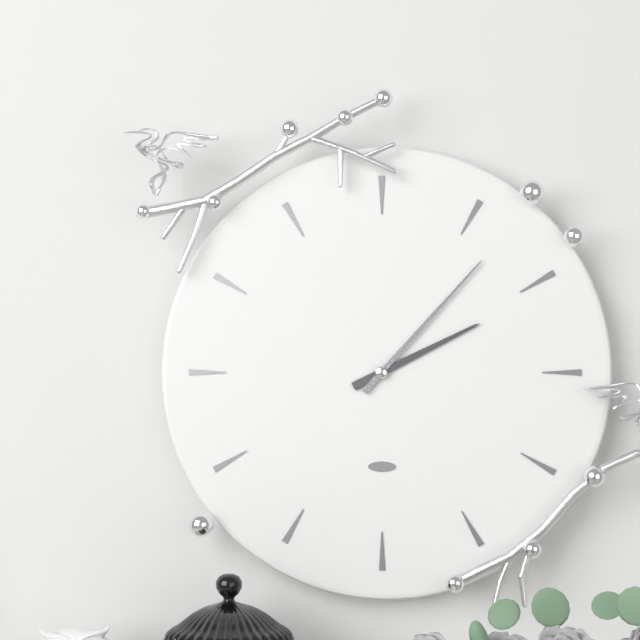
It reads 2h07
